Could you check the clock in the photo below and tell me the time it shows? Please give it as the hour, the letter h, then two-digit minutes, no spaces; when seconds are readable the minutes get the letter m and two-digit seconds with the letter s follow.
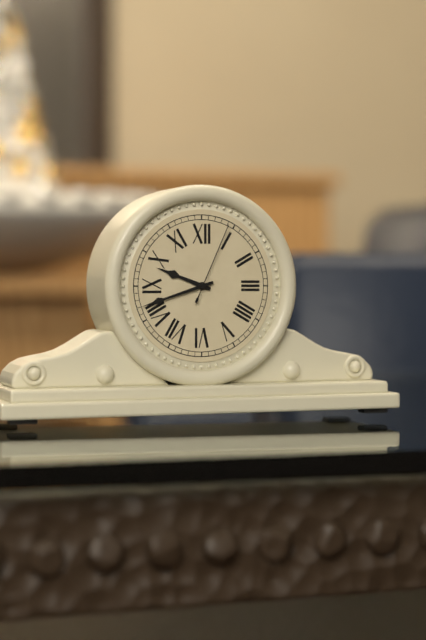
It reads 9h42m04s
